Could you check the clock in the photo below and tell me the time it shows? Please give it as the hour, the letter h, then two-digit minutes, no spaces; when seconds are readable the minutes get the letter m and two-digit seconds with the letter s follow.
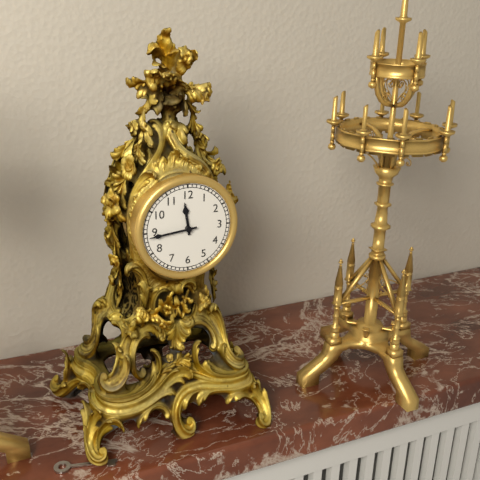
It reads 11h44
